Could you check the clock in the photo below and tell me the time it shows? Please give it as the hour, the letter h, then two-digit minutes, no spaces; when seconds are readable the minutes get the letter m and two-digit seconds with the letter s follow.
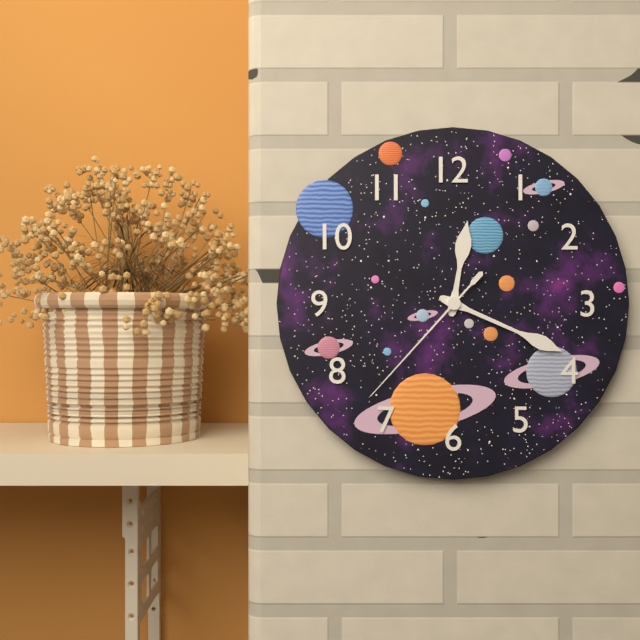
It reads 12h19m37s
